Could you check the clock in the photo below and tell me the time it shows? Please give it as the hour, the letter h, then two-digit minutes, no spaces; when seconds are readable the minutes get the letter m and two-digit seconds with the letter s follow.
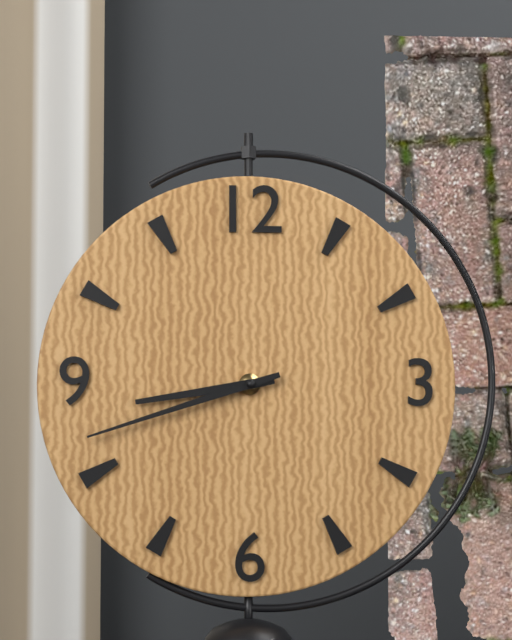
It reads 8h42
